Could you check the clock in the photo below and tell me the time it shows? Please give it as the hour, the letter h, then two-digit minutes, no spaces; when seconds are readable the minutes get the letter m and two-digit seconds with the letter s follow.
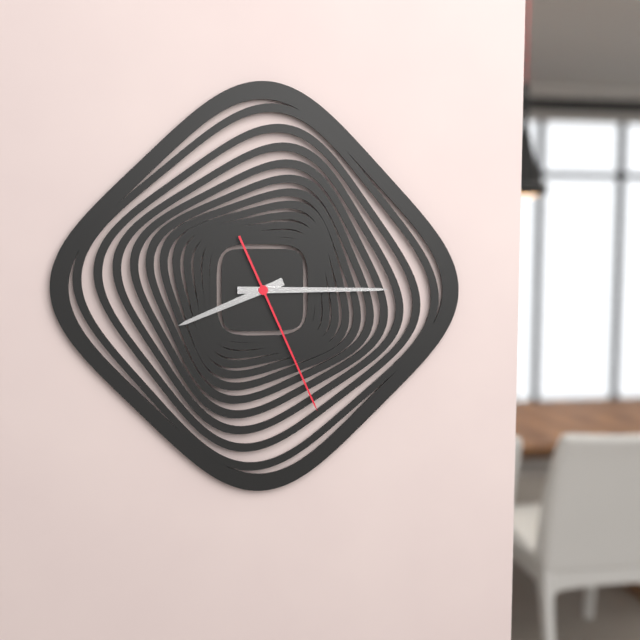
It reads 8h15m26s
